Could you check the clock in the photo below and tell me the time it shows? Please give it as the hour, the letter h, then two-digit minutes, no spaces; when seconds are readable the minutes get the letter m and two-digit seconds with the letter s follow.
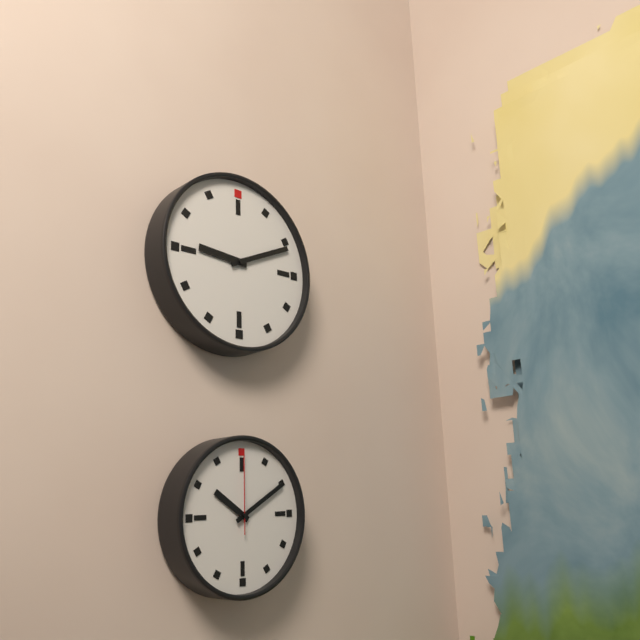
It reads 9h11
